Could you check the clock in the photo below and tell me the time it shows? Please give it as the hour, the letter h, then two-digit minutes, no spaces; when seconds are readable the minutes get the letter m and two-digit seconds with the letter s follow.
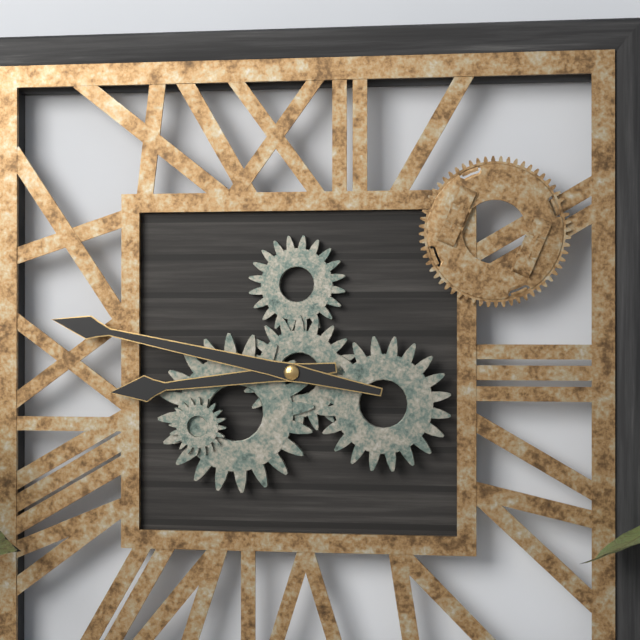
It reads 8h47
